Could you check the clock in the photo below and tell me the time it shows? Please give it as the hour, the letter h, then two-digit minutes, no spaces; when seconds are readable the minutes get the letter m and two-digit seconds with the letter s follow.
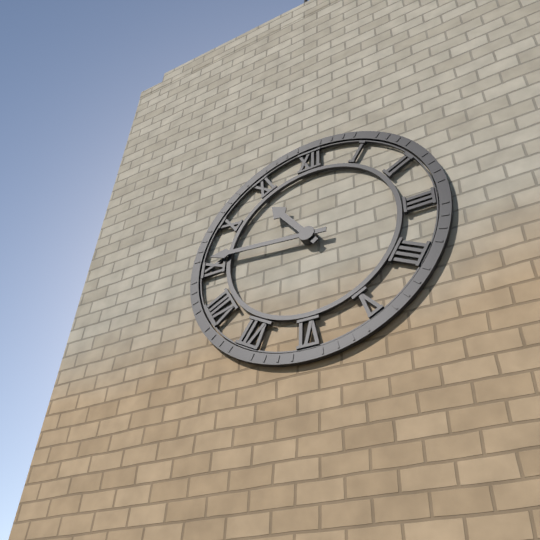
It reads 10h46
